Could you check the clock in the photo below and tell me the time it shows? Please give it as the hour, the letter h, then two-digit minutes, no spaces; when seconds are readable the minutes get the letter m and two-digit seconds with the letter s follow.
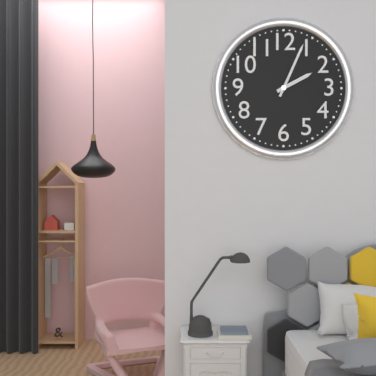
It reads 2h04
